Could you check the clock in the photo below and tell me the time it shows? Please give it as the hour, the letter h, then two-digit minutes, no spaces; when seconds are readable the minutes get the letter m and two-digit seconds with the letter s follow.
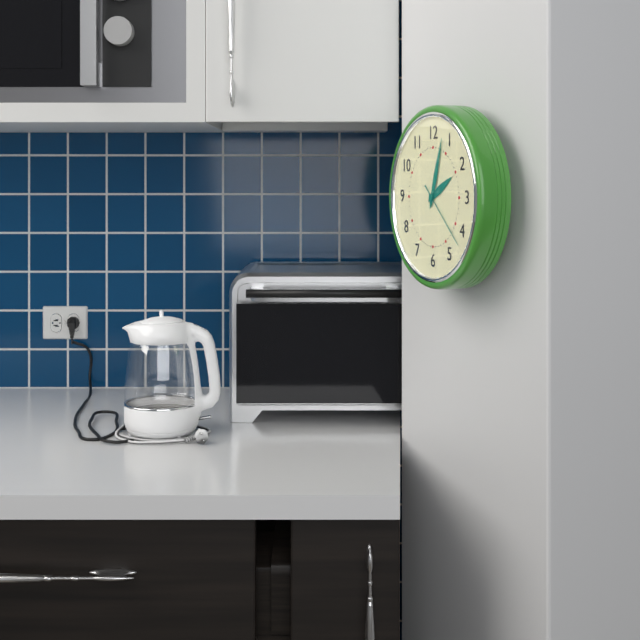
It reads 2h03m22s
